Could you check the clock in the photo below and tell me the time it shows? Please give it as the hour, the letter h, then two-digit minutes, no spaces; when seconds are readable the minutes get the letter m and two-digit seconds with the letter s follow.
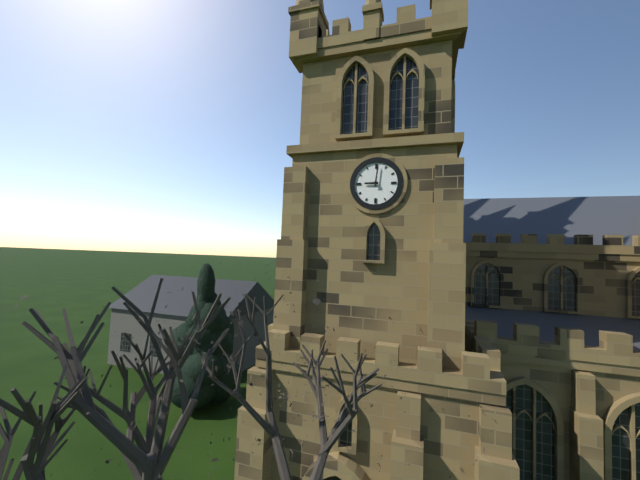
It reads 9h01
